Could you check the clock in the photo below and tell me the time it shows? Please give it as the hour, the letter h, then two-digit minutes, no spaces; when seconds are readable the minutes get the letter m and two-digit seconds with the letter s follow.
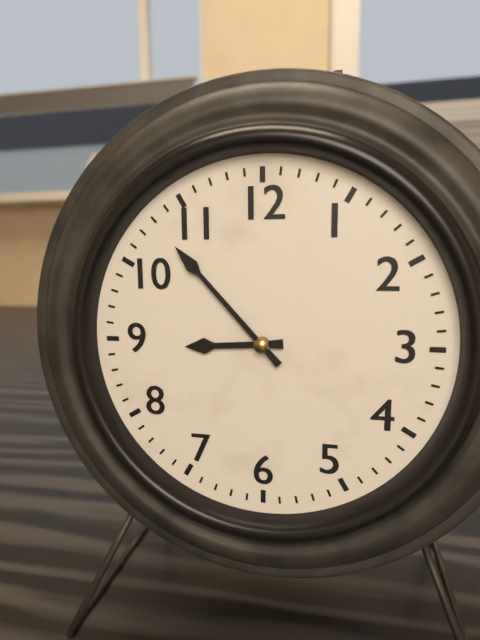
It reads 8h53
